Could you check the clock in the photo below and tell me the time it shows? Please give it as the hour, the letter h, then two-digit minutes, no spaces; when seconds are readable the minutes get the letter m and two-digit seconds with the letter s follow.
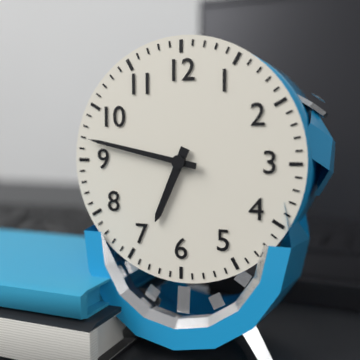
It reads 6h47
